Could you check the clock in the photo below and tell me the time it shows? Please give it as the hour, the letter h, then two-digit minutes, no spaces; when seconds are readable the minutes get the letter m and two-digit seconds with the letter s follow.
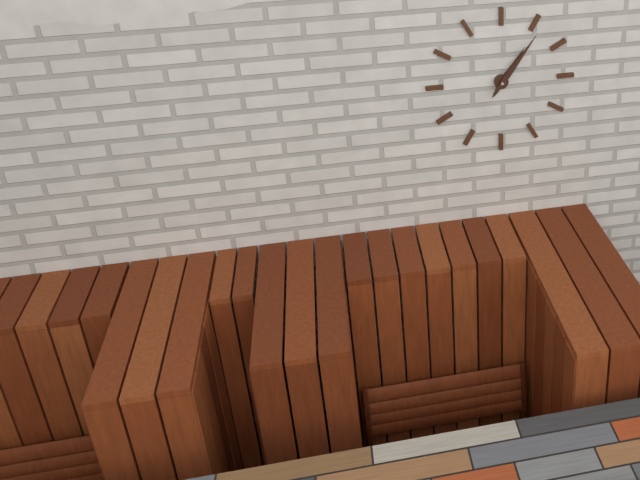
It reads 1h06
